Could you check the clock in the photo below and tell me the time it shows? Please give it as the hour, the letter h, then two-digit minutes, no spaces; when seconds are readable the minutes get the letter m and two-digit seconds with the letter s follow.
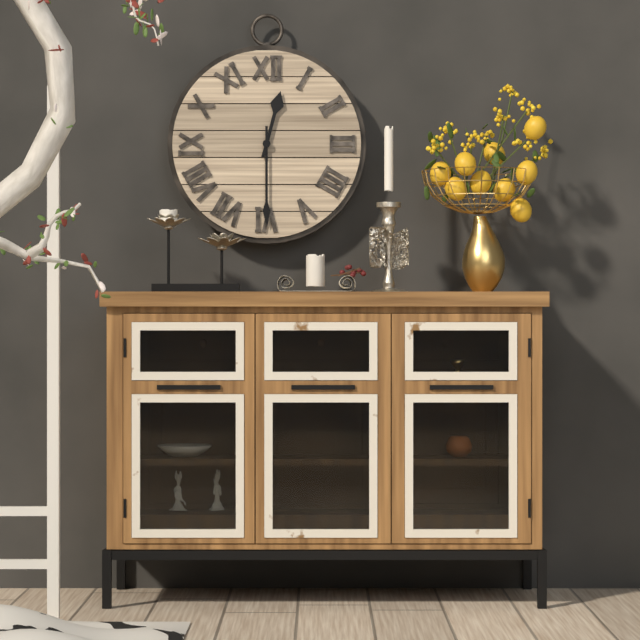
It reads 12h30
